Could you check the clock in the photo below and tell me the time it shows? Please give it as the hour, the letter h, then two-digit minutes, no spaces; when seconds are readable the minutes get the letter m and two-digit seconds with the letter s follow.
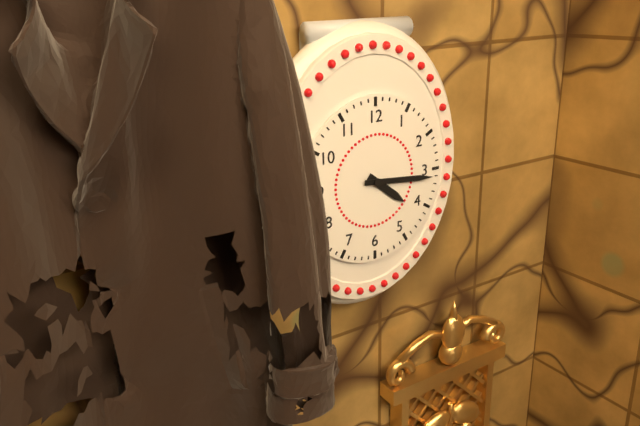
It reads 4h16
